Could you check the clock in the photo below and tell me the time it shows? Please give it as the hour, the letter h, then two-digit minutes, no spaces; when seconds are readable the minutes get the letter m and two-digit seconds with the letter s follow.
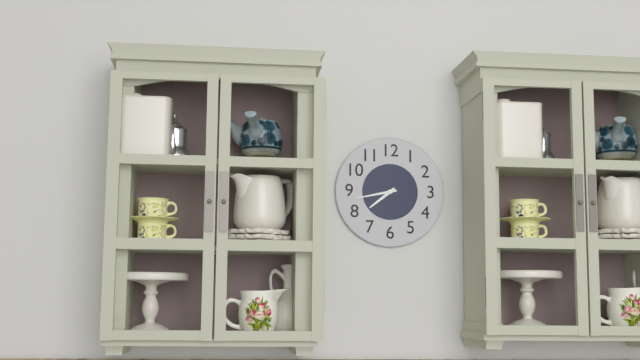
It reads 7h43
